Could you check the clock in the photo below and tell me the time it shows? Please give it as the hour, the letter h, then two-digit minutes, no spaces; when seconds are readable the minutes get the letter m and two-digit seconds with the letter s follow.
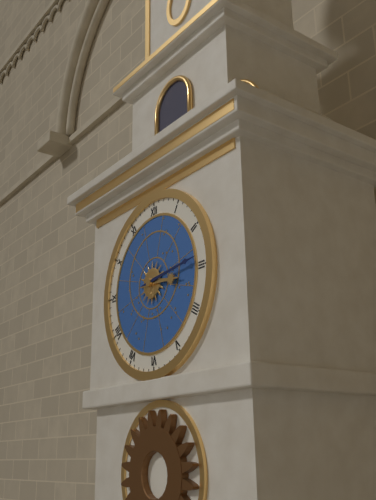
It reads 3h14
